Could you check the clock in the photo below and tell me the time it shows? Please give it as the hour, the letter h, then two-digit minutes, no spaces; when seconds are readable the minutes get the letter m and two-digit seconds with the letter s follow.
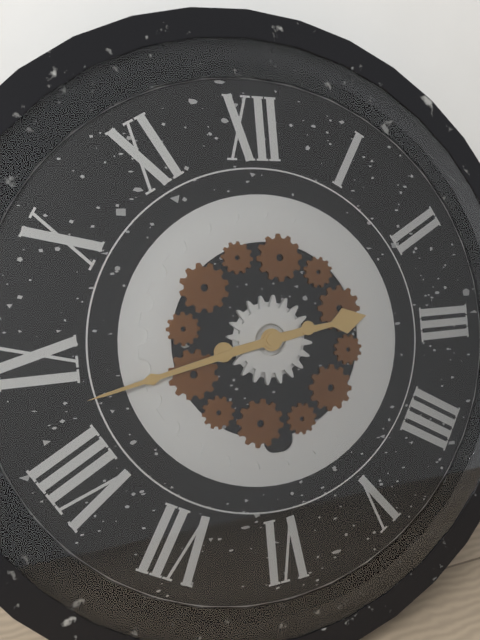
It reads 2h43
